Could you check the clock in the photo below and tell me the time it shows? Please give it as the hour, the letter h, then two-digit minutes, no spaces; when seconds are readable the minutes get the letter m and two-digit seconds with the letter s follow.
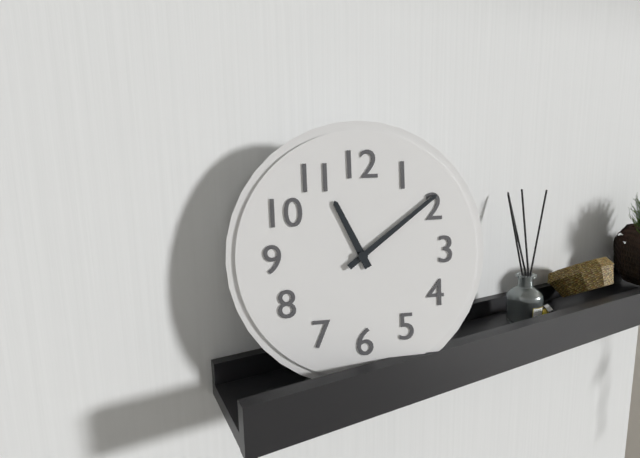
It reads 11h09
